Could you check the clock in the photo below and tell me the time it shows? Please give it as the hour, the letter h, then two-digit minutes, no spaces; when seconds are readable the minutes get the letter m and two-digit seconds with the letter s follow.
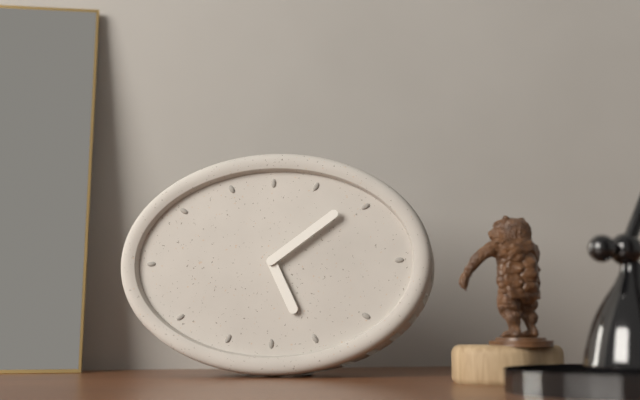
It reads 5h09
